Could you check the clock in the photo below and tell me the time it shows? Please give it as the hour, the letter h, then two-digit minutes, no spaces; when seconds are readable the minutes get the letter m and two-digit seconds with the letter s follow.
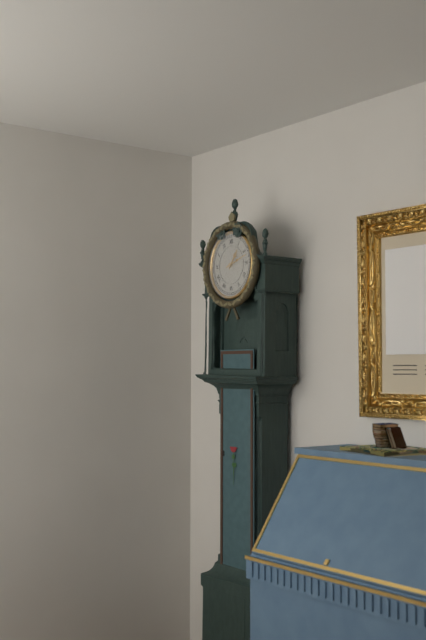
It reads 1h12
